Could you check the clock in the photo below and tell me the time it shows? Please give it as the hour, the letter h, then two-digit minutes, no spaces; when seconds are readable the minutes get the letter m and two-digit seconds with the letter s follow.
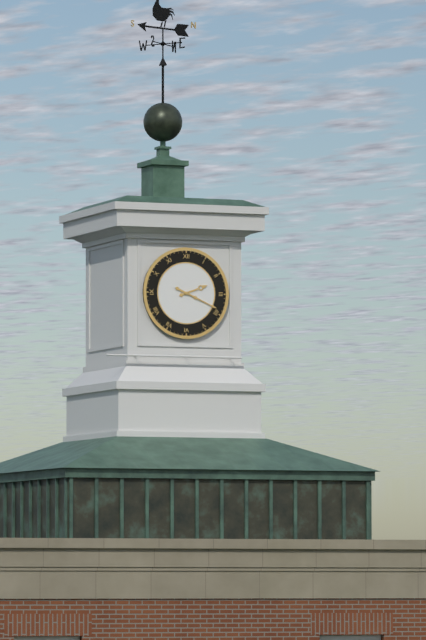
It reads 2h19
